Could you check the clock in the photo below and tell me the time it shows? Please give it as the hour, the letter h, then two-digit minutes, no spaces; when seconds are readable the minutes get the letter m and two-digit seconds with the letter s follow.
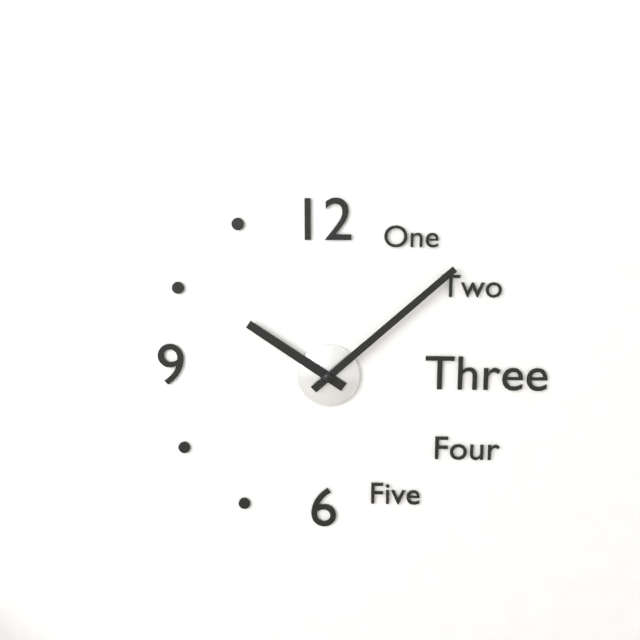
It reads 10h08
